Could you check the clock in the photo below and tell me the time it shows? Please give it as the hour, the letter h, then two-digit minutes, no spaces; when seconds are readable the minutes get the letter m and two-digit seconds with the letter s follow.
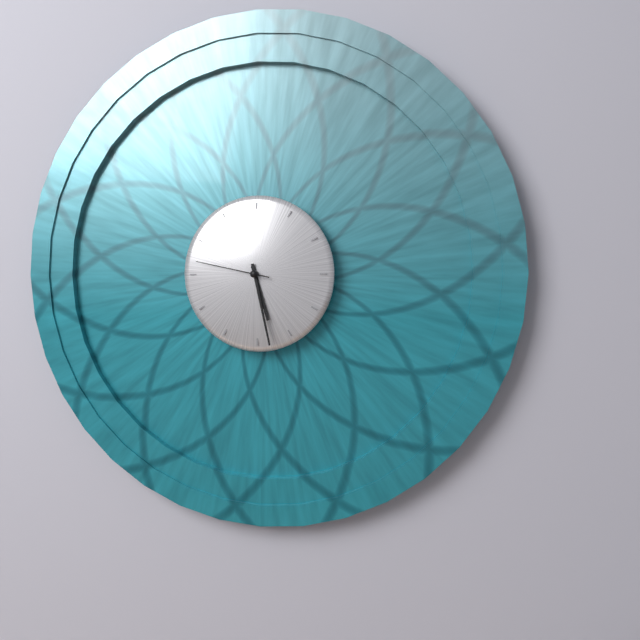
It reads 5h28m47s
